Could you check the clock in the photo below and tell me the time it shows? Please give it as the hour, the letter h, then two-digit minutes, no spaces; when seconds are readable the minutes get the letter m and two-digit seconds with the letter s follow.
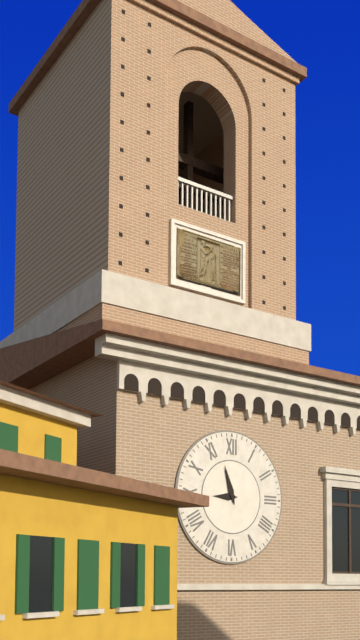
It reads 8h57
